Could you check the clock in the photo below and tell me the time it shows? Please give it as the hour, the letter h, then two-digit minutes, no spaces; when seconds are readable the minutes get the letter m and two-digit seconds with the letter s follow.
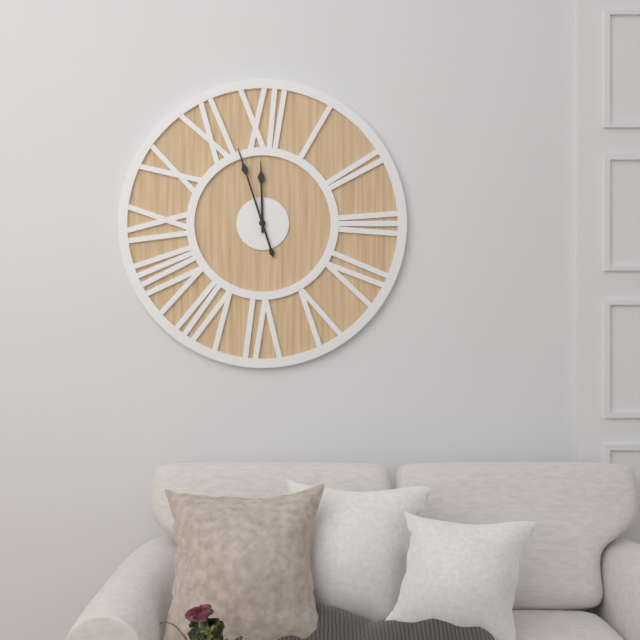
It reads 11h57
